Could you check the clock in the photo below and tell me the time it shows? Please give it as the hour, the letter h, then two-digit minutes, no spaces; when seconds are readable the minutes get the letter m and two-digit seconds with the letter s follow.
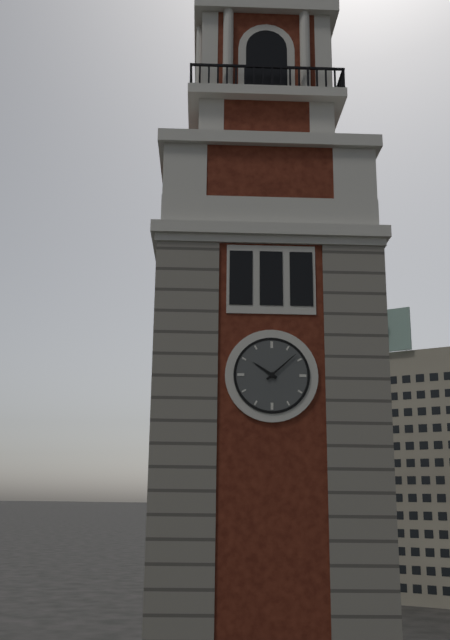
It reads 10h08
